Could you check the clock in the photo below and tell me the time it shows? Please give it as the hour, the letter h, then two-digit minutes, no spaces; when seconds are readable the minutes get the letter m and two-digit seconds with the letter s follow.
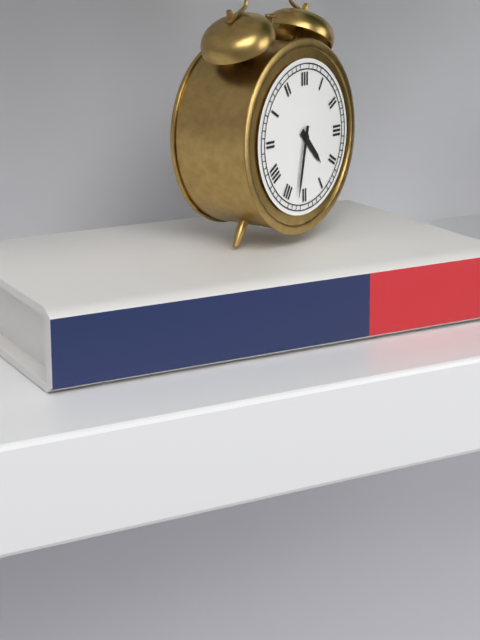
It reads 4h32
